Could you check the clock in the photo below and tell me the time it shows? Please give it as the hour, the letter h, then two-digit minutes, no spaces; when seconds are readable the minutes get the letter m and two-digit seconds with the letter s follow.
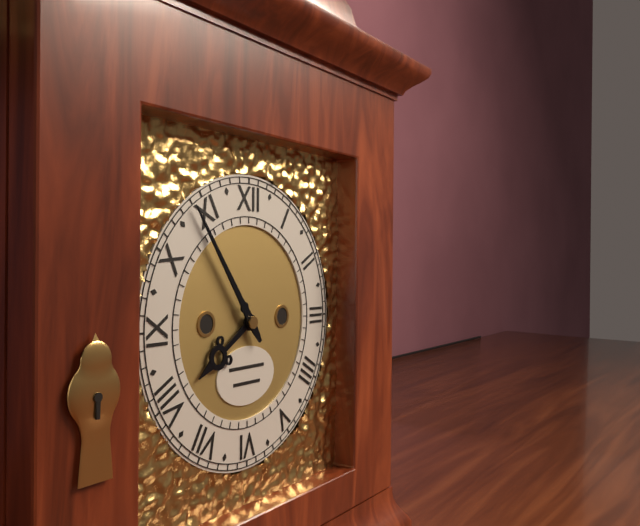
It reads 7h54
